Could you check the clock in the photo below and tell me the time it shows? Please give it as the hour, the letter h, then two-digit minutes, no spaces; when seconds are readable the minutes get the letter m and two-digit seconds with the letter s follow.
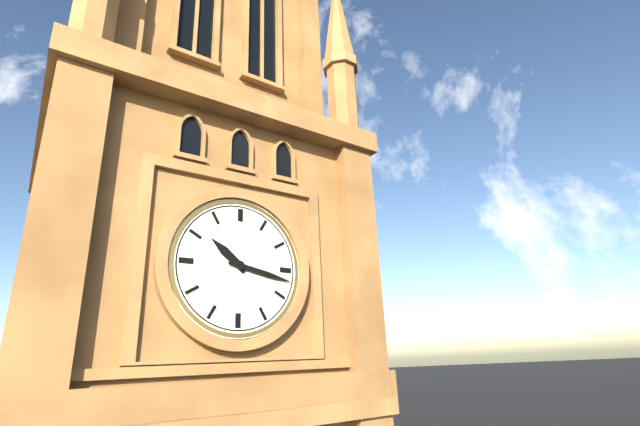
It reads 10h17
